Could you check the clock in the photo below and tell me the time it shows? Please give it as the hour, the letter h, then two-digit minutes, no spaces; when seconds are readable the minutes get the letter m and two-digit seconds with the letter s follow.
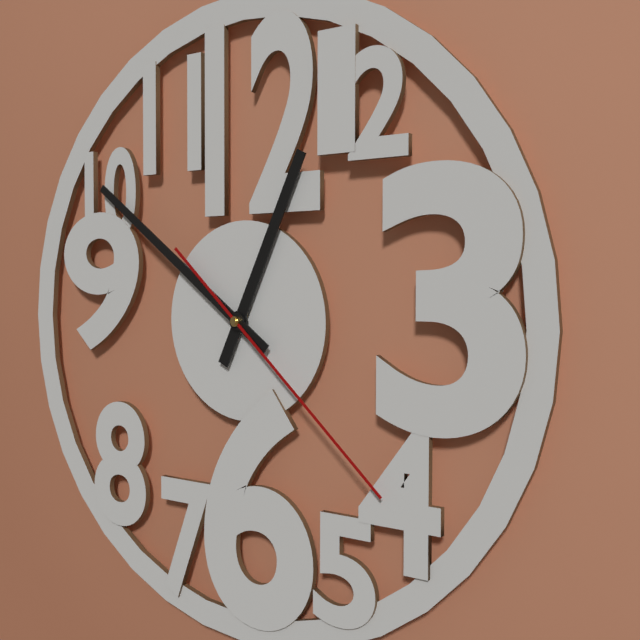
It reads 12h51m22s
